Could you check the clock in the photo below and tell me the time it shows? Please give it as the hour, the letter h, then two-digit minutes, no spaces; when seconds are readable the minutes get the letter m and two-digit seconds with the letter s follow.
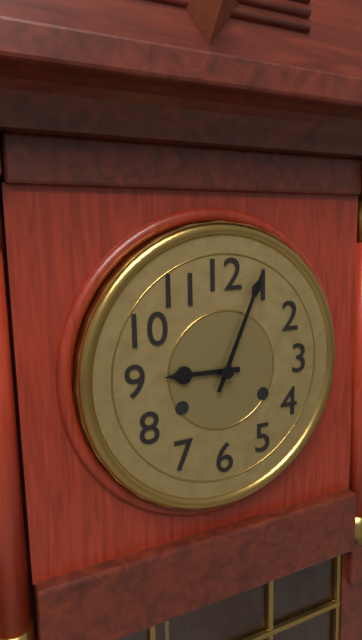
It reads 9h04
